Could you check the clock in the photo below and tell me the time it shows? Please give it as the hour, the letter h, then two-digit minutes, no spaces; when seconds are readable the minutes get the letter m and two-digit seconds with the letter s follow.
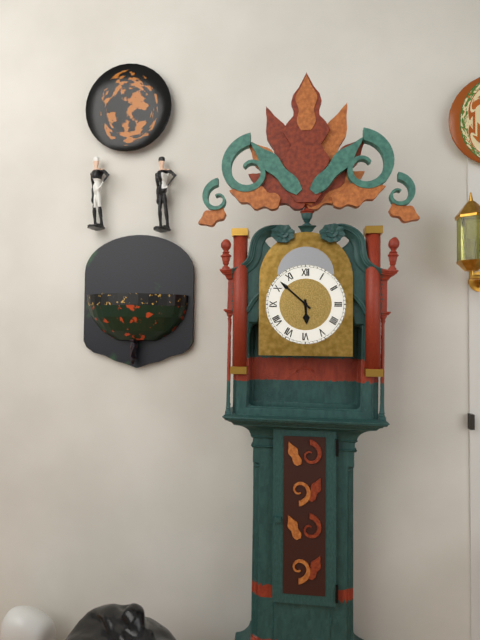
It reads 5h52
